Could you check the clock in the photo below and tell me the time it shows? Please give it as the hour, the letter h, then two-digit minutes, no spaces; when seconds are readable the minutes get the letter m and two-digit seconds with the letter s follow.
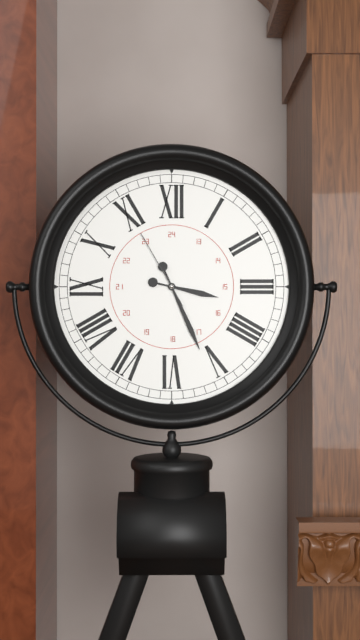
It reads 3h26m55s
